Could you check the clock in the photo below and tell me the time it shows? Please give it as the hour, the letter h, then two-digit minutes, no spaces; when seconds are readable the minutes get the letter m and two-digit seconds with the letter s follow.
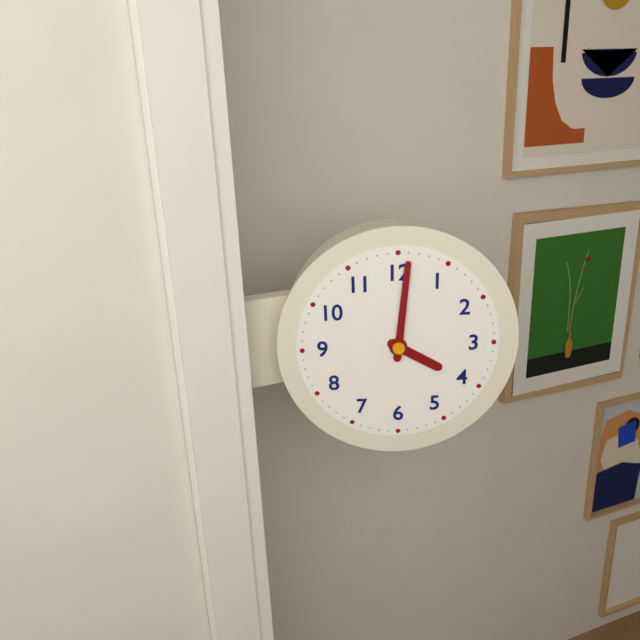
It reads 4h01
